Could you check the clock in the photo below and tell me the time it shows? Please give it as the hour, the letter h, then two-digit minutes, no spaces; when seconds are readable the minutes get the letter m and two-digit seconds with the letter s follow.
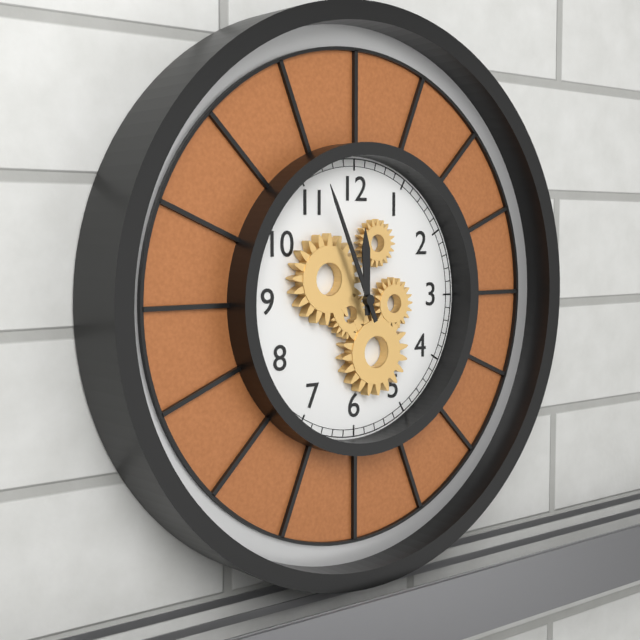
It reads 11h56
